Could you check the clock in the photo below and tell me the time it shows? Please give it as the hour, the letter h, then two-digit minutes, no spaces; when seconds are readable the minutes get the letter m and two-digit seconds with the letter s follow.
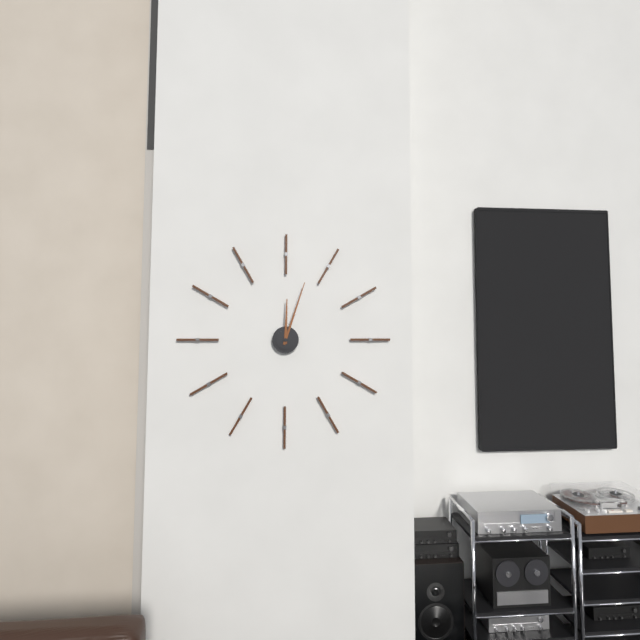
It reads 12h03
